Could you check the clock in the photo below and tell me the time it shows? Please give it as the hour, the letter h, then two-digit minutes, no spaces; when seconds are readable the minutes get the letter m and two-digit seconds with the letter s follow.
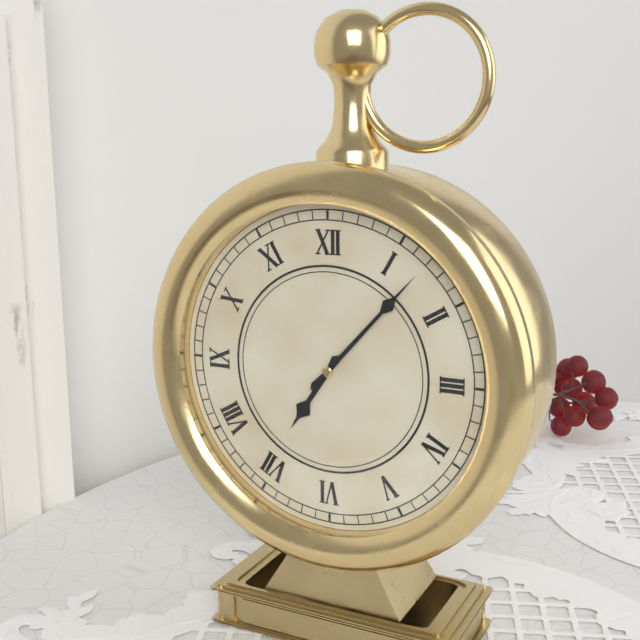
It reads 7h07
